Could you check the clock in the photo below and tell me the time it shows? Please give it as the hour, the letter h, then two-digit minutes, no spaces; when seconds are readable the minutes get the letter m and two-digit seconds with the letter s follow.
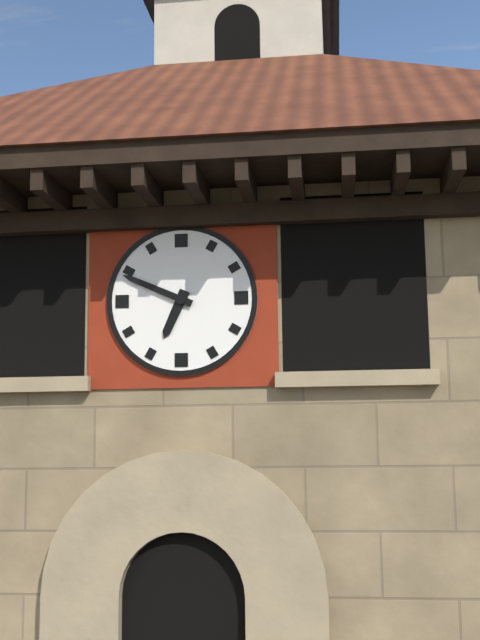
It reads 6h49
